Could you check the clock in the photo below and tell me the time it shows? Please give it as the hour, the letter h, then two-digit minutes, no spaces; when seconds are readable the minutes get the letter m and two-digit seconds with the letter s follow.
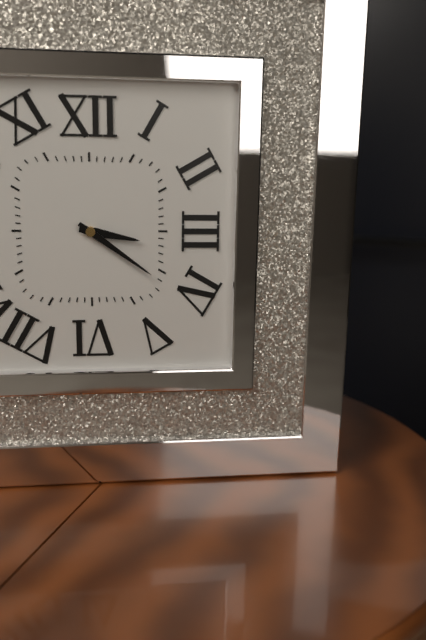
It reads 3h21
